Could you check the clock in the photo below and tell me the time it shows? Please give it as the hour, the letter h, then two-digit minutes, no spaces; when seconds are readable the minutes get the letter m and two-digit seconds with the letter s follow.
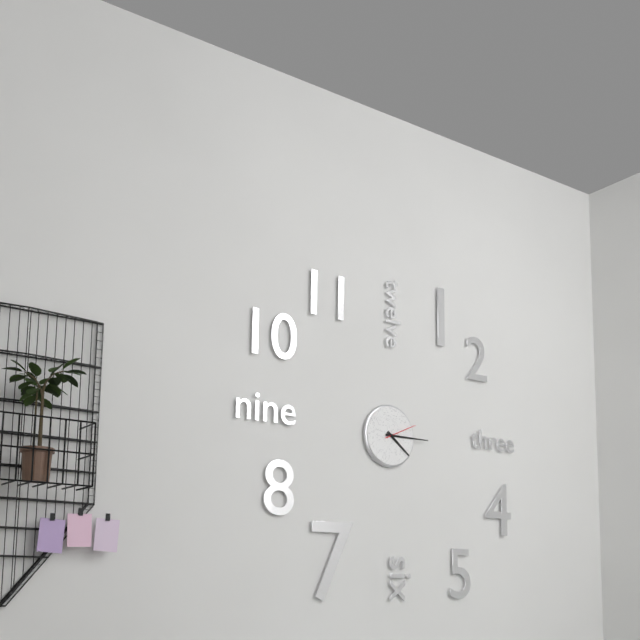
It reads 4h15
